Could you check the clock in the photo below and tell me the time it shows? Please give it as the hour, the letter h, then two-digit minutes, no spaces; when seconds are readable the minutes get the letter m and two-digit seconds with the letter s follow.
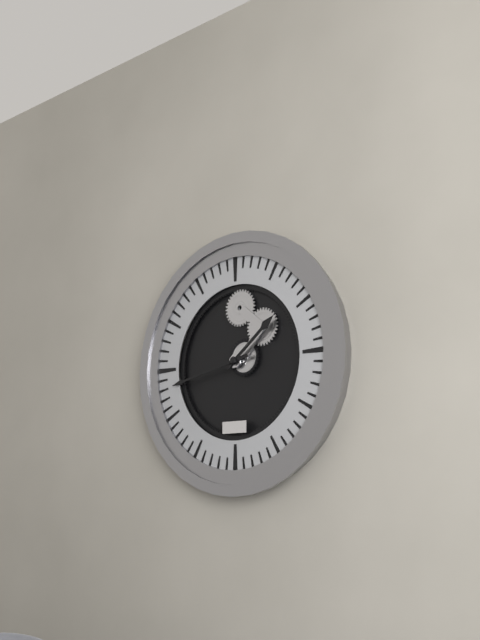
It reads 1h43
